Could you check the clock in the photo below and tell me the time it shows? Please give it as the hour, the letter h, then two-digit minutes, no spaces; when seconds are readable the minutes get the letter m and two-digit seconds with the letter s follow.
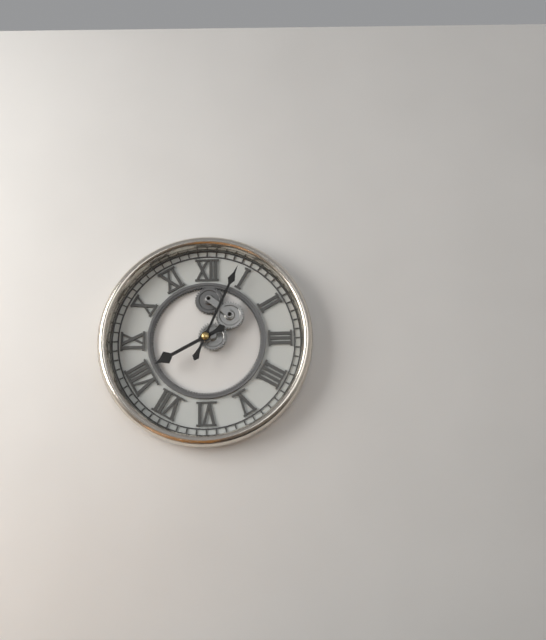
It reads 8h04
